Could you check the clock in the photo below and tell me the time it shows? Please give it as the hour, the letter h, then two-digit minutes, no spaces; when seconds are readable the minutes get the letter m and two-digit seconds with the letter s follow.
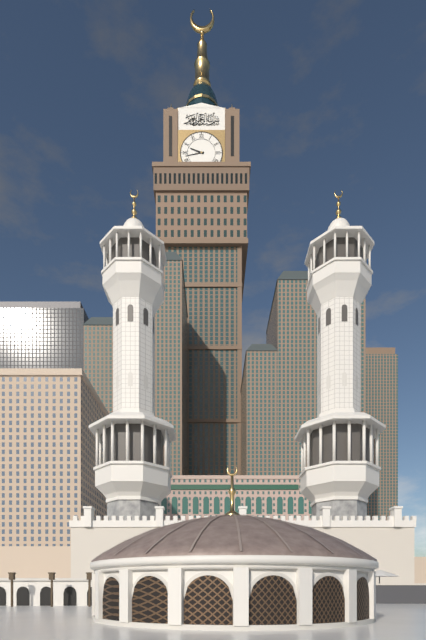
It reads 9h43
